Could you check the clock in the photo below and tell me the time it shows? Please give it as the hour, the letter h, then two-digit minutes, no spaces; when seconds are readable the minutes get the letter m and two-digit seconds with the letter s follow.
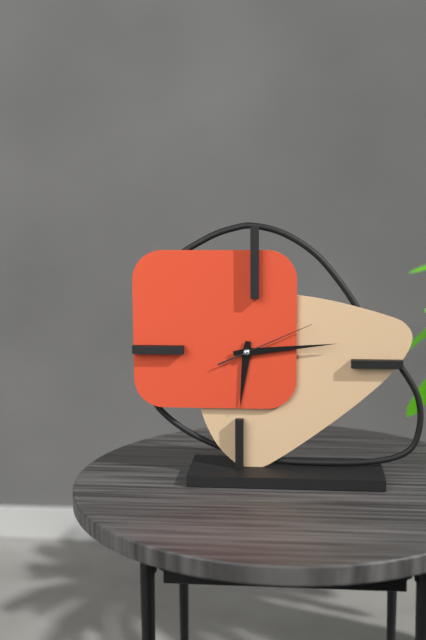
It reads 6h14m11s
